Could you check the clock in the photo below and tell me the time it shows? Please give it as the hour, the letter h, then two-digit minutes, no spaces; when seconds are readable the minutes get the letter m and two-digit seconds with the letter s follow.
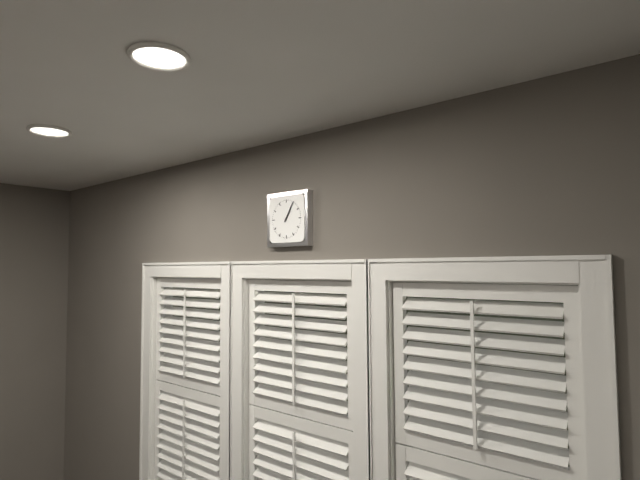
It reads 1h05
